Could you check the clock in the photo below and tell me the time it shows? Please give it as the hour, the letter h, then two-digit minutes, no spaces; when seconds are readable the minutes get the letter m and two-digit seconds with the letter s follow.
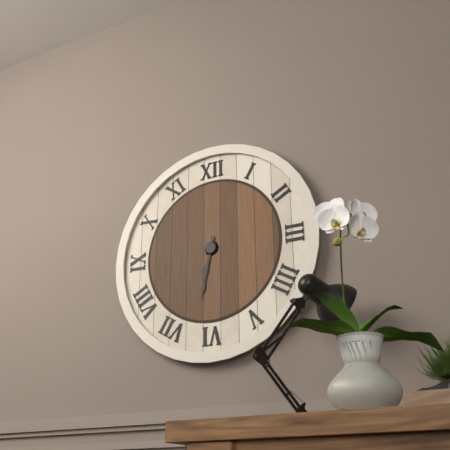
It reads 6h32
